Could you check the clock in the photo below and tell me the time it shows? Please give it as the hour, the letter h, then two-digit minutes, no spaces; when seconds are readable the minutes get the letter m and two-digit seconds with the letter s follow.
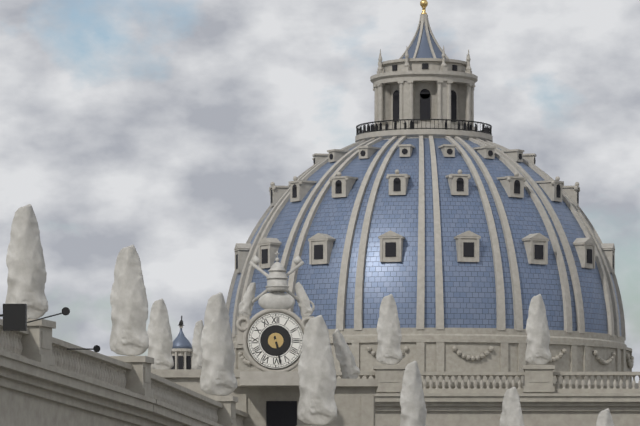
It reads 5h28
